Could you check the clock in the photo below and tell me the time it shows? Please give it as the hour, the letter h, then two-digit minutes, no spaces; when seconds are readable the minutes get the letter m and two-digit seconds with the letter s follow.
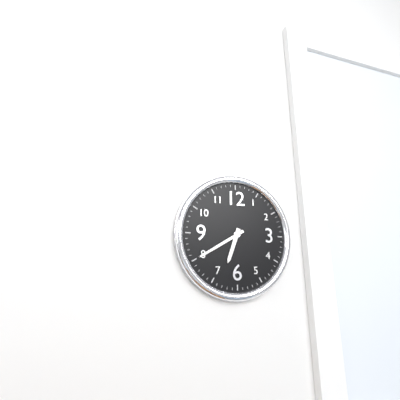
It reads 6h40
